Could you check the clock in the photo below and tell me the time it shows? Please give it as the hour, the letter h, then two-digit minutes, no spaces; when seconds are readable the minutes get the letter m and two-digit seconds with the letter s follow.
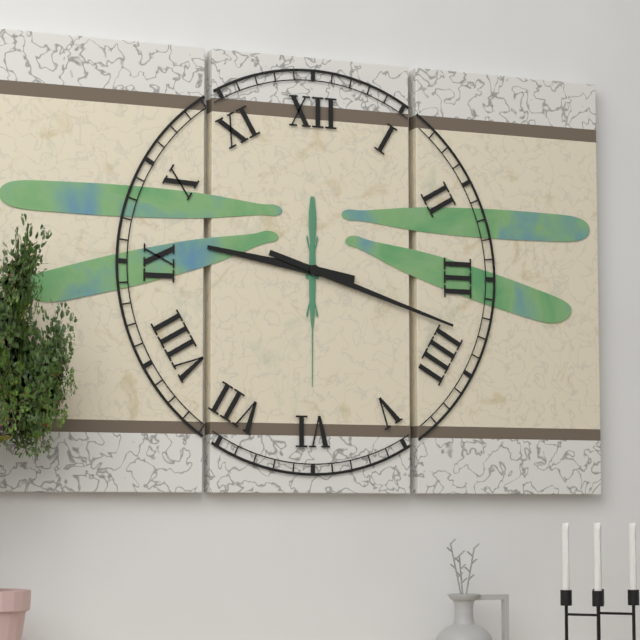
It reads 9h18
